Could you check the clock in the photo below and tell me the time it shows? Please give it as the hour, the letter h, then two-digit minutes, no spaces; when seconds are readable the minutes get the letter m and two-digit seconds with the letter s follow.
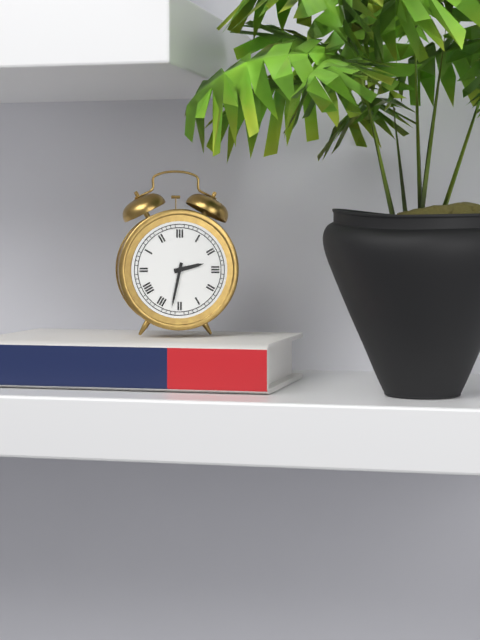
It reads 2h32
